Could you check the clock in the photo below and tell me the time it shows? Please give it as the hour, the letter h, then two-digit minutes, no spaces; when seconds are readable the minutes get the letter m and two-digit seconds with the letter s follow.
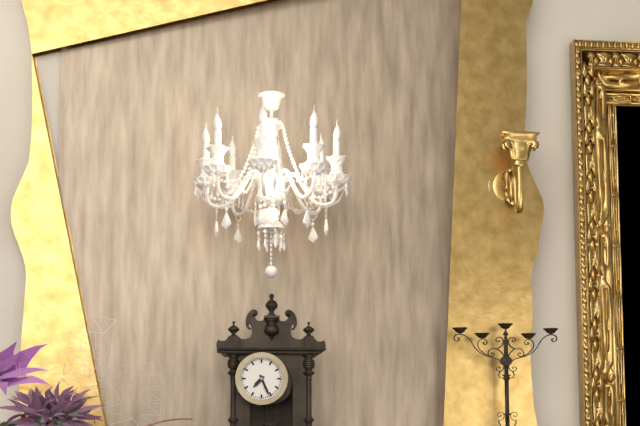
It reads 7h26
